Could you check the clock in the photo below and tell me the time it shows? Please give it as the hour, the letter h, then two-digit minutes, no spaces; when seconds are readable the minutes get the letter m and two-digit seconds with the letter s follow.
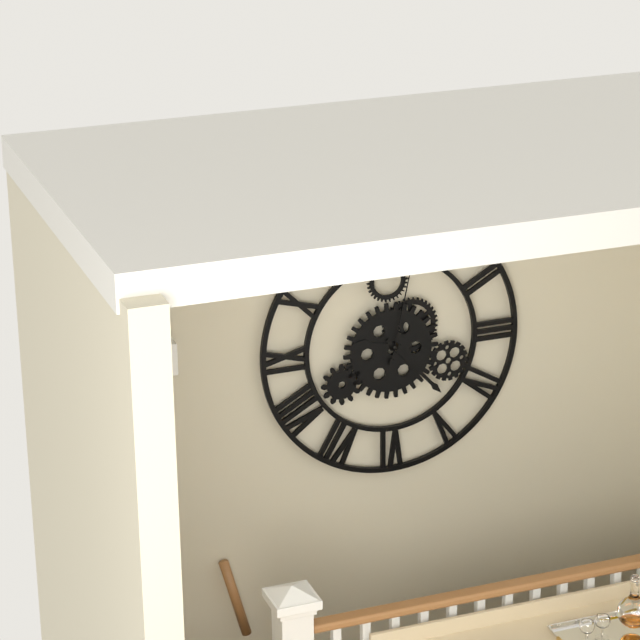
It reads 9h23m02s
